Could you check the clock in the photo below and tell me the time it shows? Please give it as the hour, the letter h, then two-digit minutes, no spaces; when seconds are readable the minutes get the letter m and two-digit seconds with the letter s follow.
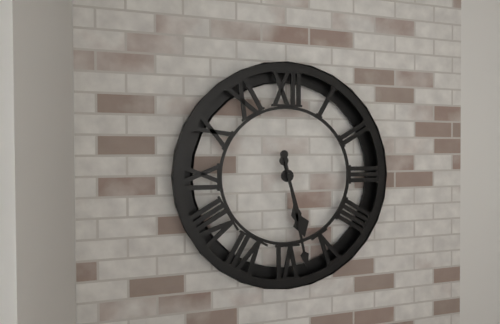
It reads 5h28
